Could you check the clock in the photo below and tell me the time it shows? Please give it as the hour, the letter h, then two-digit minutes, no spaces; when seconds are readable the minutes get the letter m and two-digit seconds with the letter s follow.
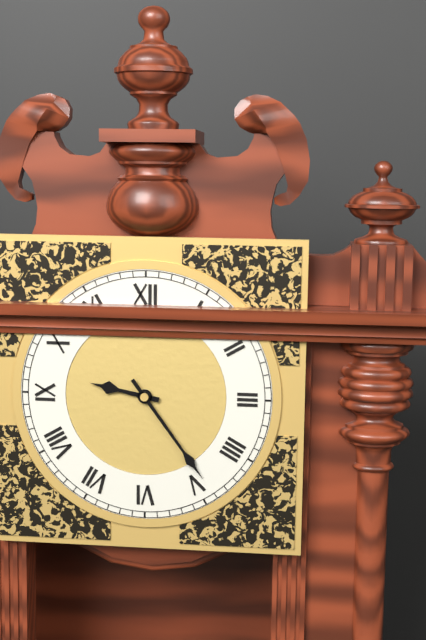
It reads 9h24
